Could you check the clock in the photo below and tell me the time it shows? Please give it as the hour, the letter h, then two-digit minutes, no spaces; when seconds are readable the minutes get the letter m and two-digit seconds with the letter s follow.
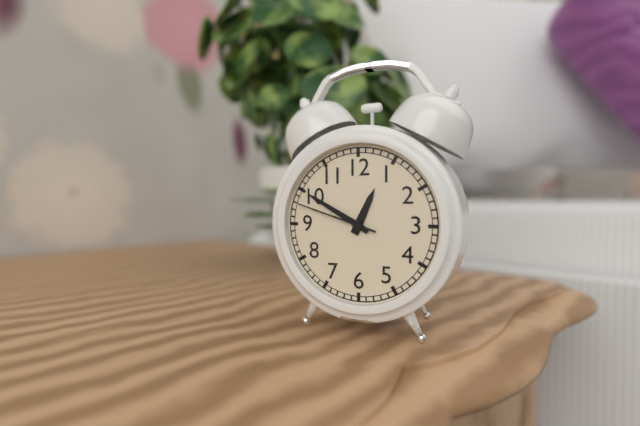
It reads 12h50m48s
